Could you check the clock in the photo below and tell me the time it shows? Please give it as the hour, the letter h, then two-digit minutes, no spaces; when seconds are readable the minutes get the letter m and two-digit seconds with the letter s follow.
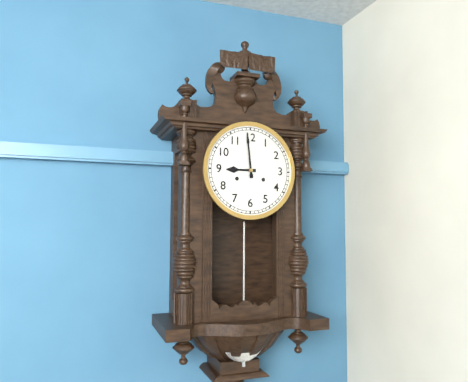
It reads 8h59
